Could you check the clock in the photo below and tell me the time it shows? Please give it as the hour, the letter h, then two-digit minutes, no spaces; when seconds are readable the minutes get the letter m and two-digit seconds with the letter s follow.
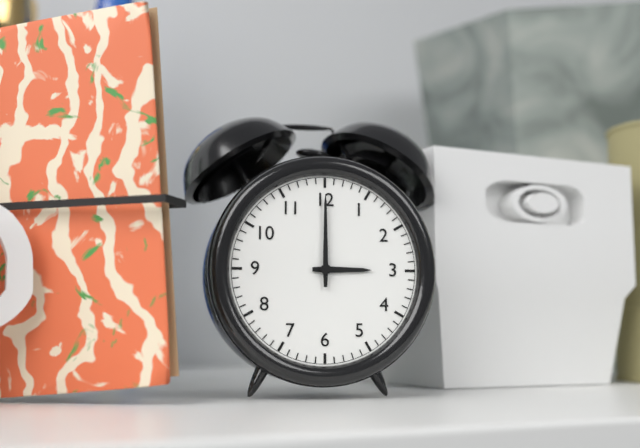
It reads 3h00
